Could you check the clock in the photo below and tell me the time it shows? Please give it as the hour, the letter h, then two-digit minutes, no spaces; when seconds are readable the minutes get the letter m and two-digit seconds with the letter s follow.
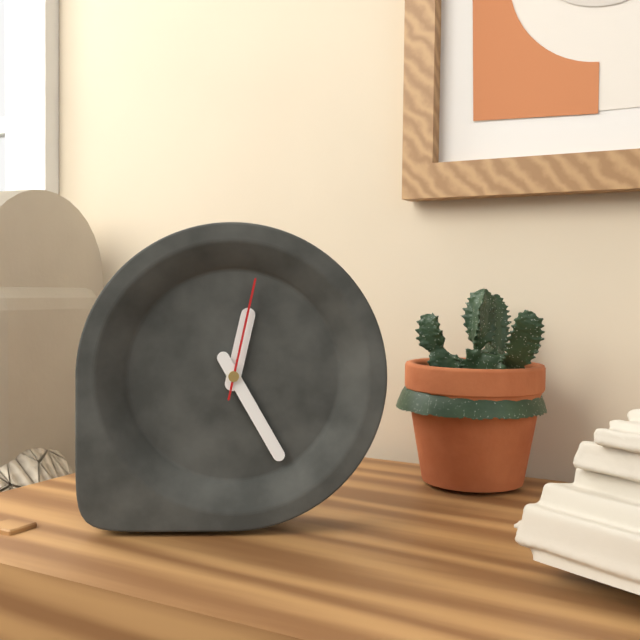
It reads 12h25m02s
